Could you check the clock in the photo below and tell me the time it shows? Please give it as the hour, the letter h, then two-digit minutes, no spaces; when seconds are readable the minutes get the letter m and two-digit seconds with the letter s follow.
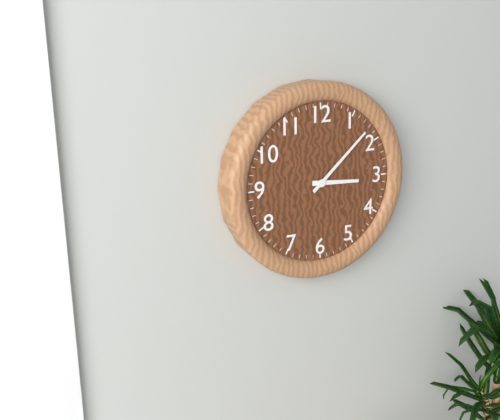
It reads 3h08
